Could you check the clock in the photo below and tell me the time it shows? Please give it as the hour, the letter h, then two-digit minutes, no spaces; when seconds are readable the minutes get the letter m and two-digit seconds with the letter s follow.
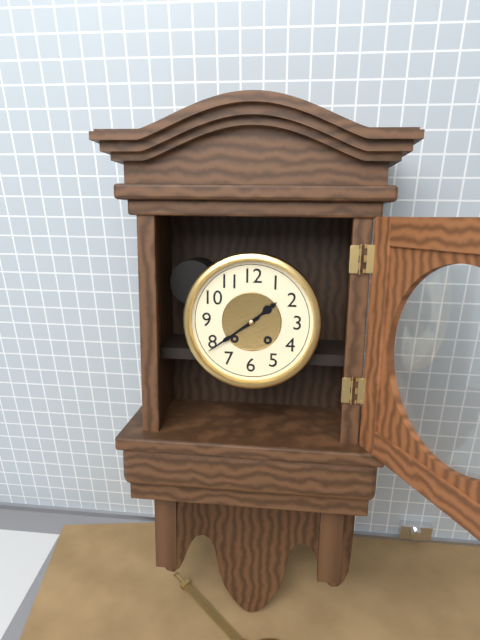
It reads 1h39
